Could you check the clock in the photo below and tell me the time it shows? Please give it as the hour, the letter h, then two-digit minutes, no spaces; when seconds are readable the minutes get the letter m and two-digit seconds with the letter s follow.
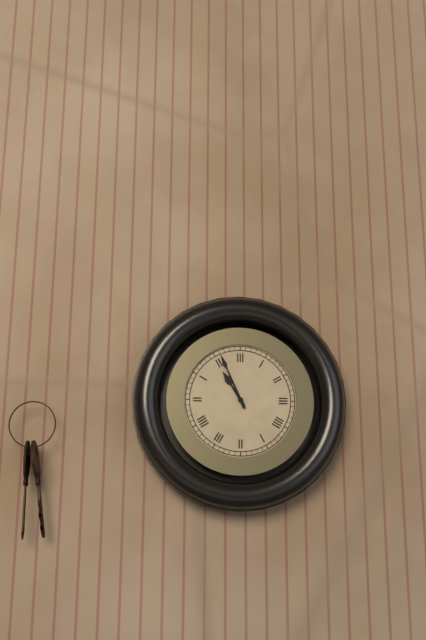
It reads 10h56
